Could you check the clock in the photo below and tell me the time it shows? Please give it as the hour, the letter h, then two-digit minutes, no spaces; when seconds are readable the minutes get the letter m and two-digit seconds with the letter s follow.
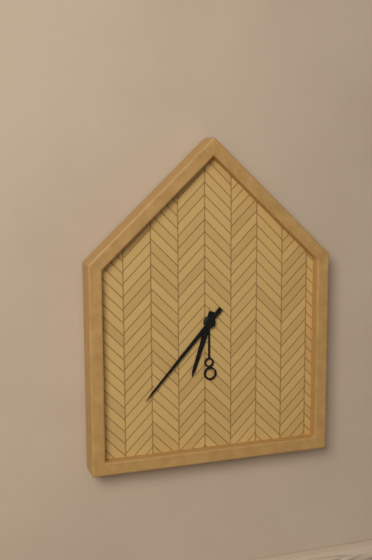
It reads 6h37
